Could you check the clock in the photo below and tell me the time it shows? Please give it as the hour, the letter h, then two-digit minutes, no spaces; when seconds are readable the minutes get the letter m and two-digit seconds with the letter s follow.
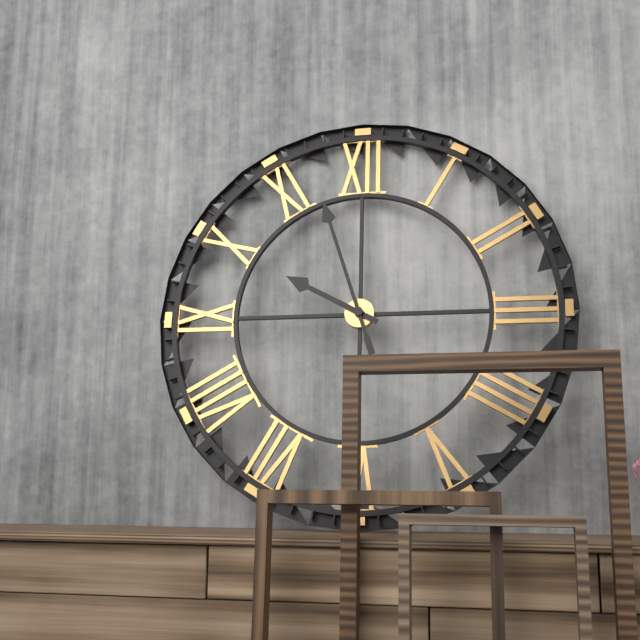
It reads 9h57
